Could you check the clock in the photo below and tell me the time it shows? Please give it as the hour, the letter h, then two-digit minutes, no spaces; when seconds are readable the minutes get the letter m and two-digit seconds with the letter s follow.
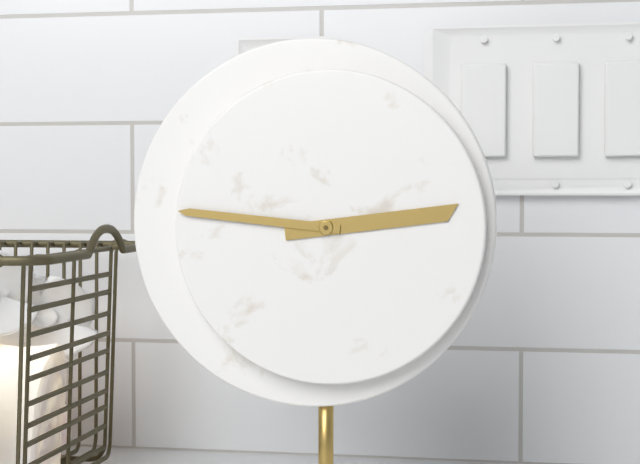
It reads 2h46
